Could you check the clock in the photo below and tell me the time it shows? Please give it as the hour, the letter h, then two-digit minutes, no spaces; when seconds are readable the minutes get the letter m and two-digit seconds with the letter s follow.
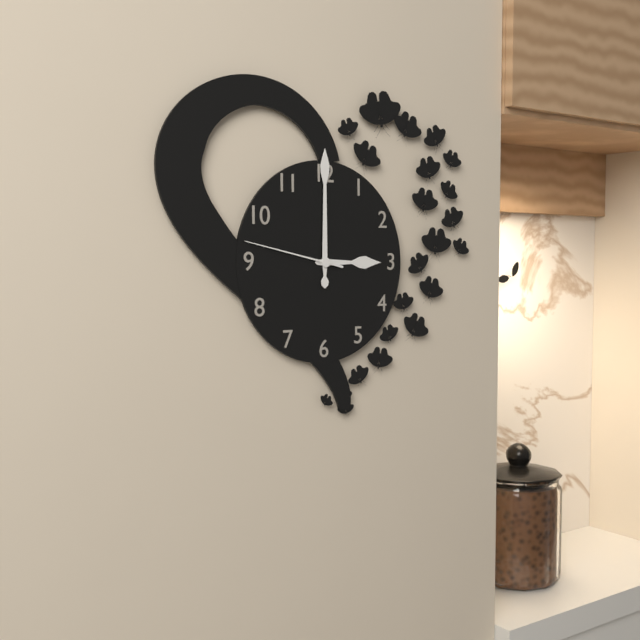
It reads 3h00m47s
